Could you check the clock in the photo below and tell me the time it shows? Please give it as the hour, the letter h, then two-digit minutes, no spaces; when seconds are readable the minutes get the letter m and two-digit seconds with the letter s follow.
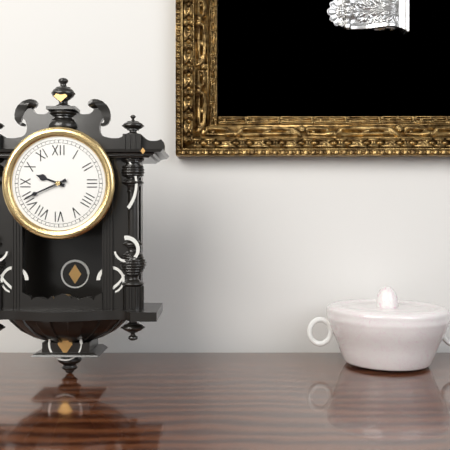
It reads 9h41
